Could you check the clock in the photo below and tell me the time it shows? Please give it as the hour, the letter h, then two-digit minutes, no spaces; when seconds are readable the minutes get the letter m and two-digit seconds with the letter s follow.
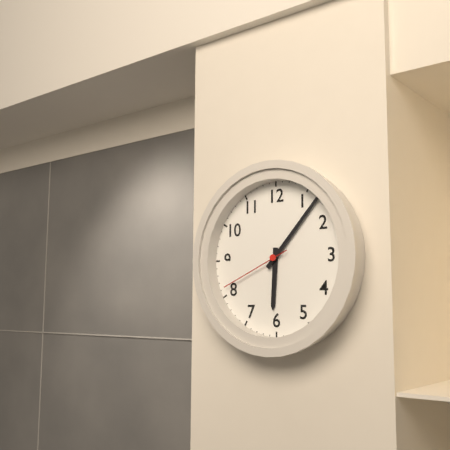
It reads 6h07m41s
